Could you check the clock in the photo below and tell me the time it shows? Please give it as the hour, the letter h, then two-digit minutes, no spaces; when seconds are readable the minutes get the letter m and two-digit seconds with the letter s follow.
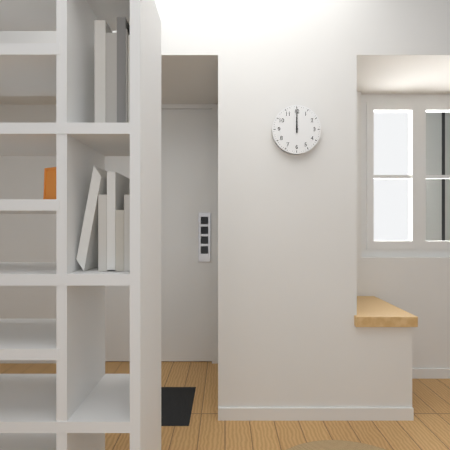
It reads 12h00
